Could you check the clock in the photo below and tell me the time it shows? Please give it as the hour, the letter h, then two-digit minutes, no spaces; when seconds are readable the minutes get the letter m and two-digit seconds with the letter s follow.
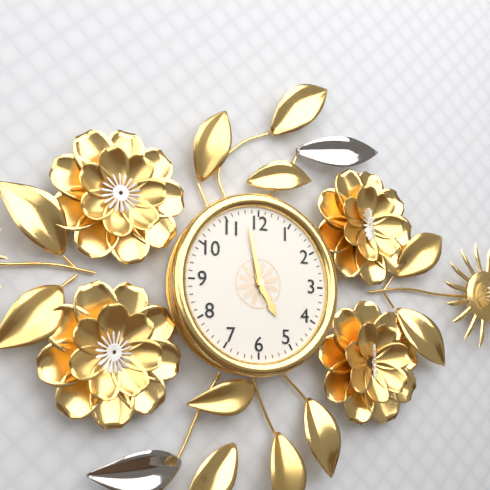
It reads 4h58
